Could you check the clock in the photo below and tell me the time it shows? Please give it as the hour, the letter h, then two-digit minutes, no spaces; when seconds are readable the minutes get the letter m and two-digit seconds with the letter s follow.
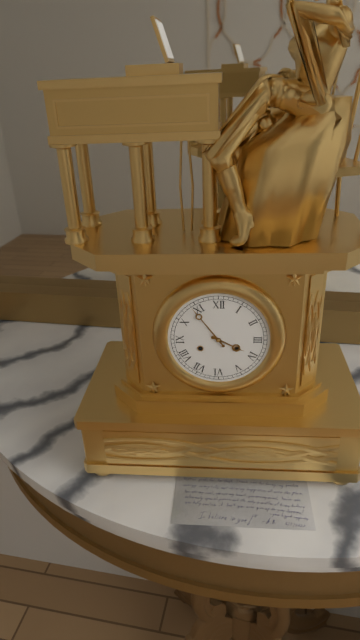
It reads 3h54
